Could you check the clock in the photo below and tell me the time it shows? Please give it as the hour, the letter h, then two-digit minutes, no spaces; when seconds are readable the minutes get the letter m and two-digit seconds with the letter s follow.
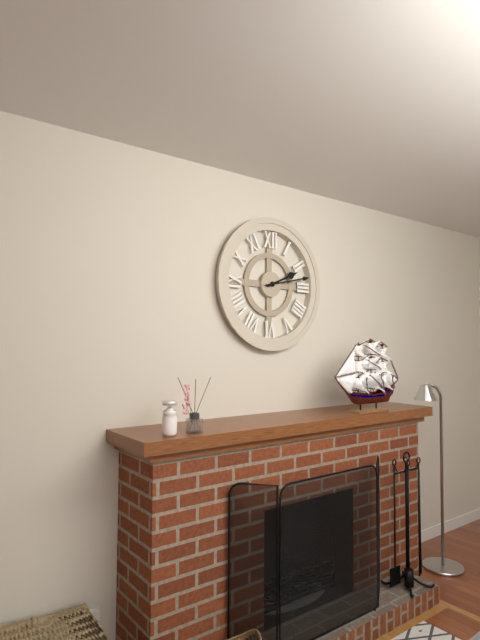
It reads 2h13
